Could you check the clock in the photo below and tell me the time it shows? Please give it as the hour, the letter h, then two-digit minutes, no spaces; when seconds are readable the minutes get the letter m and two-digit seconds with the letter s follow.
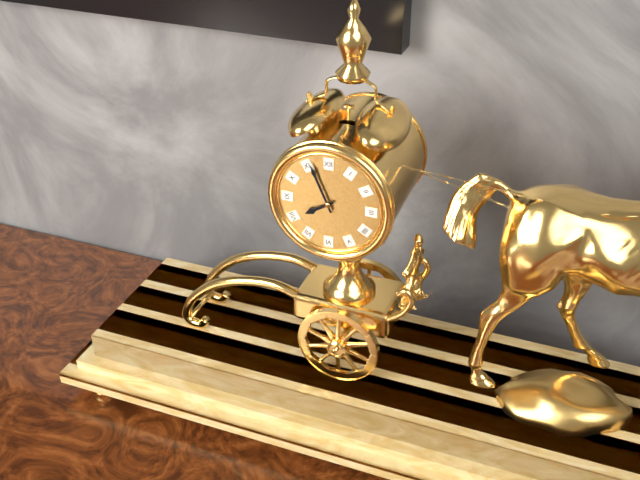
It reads 7h56
